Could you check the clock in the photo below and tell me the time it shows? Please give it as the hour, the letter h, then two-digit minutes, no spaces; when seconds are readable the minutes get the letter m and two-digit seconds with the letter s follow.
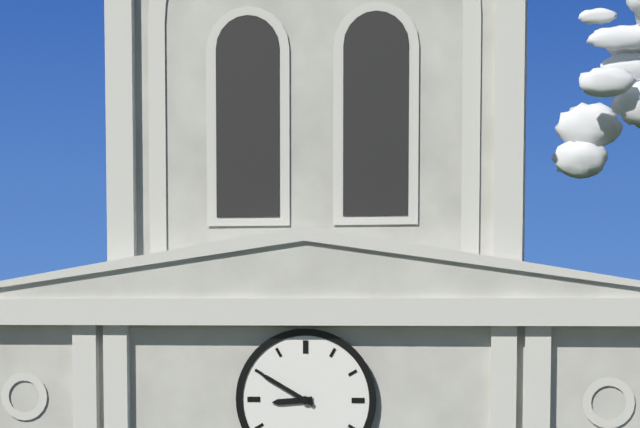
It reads 8h50
